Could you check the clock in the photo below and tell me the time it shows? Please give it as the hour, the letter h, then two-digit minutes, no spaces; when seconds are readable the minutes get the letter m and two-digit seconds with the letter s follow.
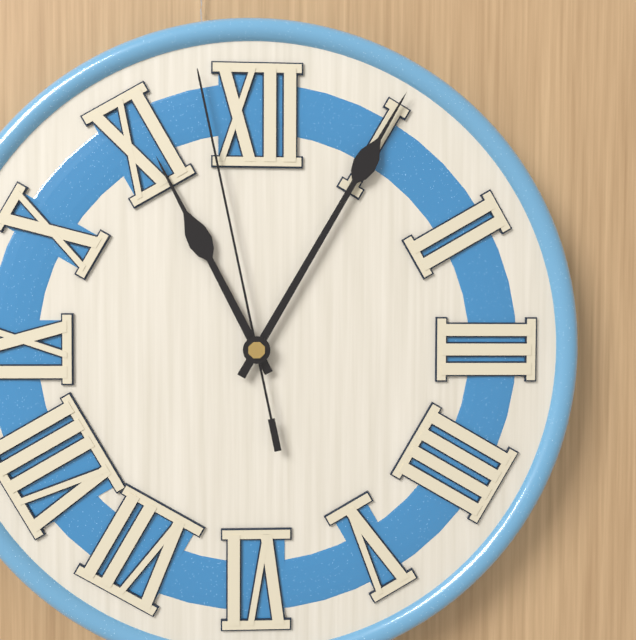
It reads 11h05m58s
